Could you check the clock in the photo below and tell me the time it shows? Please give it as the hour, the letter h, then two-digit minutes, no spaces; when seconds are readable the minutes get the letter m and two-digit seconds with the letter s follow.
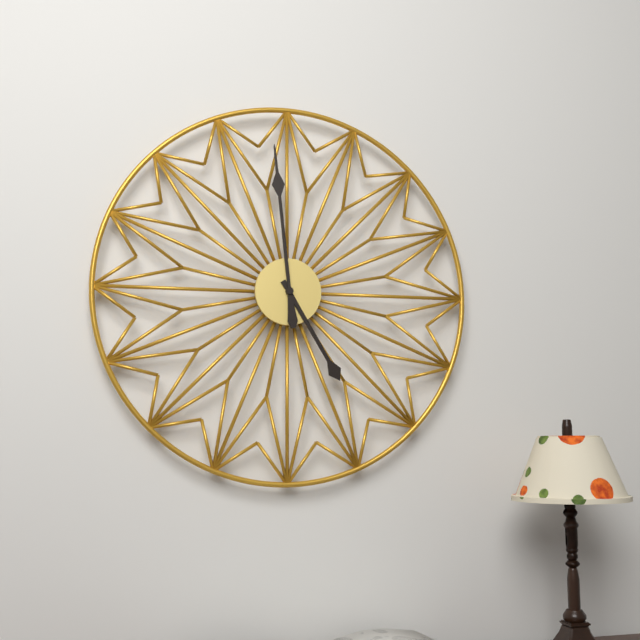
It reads 4h59
